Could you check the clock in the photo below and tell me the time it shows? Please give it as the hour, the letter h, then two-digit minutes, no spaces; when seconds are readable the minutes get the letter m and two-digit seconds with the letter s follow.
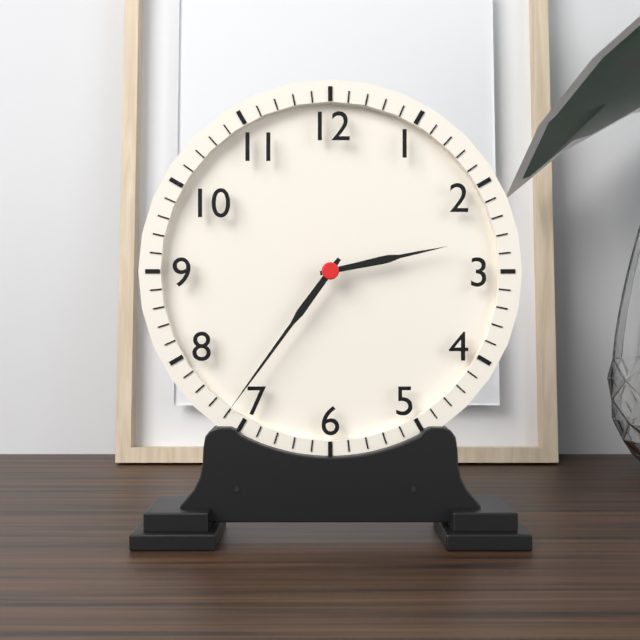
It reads 2h36
